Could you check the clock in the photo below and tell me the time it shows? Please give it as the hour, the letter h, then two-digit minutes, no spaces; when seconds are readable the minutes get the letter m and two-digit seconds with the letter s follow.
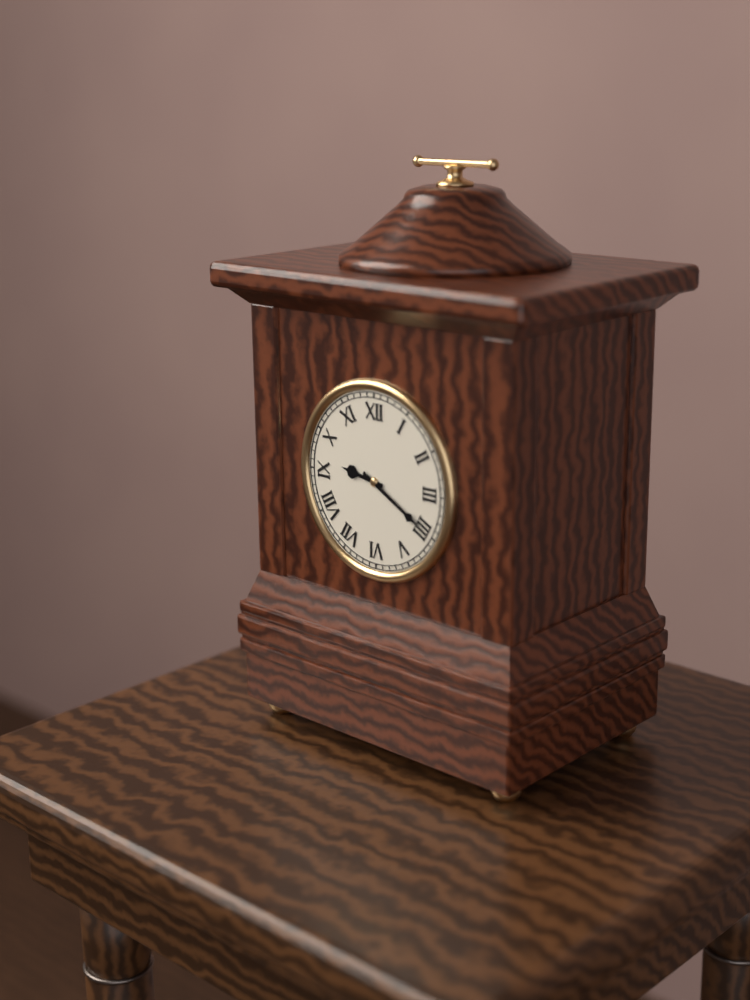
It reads 9h20
